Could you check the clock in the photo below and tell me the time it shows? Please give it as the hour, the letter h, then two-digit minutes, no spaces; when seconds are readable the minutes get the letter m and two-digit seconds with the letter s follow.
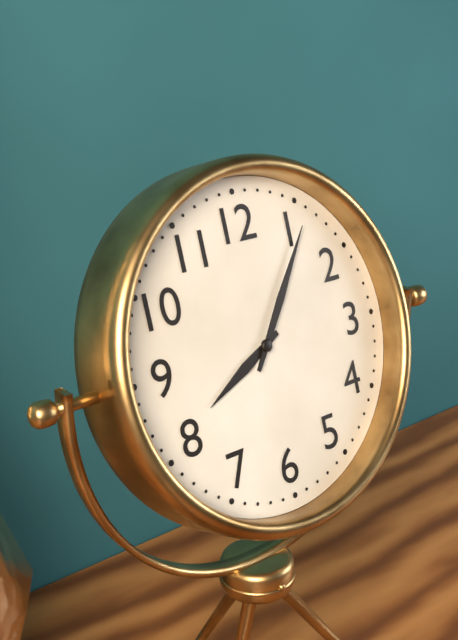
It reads 8h06
